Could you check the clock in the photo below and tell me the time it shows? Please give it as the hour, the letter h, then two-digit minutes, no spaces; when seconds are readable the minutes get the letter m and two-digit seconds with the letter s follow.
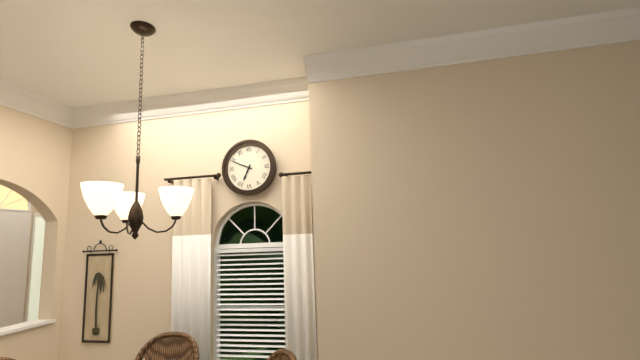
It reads 6h49
